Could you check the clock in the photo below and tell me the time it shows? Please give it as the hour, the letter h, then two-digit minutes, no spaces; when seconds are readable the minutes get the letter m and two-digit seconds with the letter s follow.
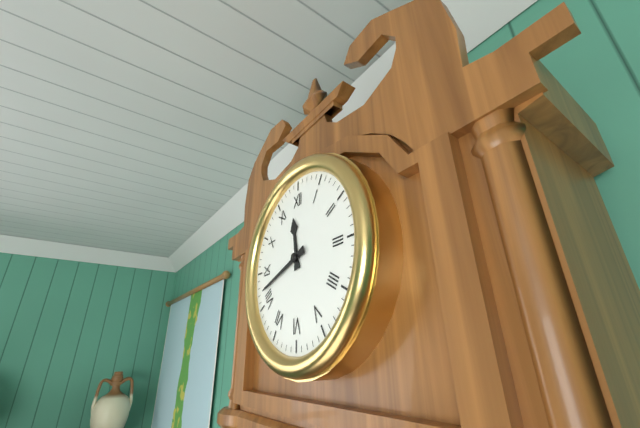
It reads 11h42
